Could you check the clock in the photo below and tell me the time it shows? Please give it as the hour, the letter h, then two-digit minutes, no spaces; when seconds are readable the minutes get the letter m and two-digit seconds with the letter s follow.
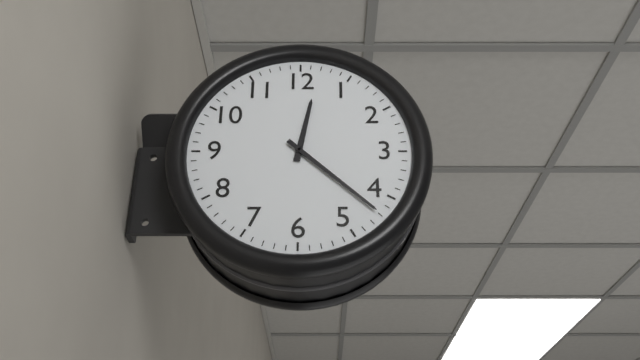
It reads 12h22
